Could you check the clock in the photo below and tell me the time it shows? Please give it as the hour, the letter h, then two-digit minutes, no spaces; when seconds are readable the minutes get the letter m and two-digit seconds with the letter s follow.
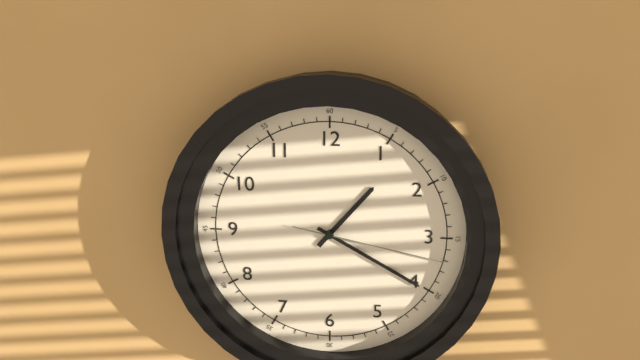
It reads 1h20m17s
